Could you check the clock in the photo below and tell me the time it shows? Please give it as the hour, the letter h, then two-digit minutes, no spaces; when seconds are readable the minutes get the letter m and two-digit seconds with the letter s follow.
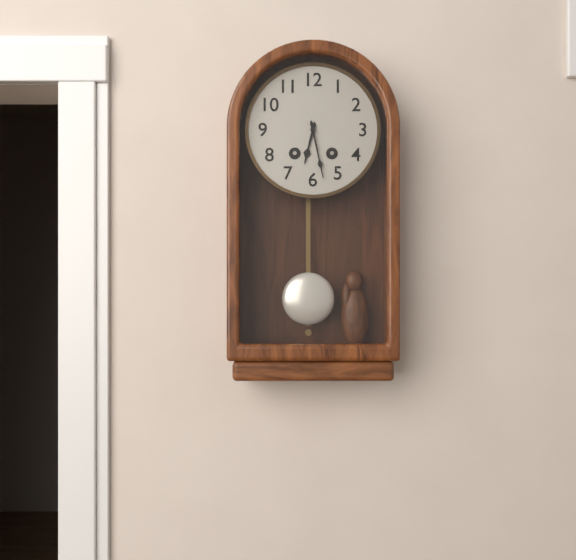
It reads 6h28
